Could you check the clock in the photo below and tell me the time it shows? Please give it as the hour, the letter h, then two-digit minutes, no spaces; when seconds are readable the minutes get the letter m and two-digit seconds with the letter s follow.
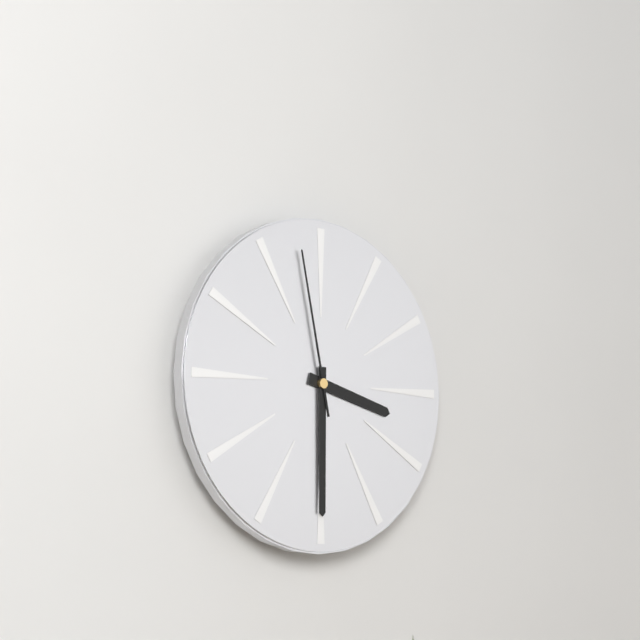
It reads 3h30m58s
